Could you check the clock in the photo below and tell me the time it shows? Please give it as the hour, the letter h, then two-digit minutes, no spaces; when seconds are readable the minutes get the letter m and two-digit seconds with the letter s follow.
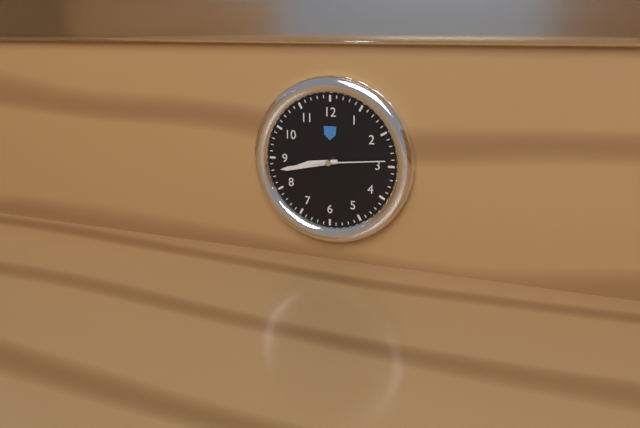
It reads 8h43m14s
